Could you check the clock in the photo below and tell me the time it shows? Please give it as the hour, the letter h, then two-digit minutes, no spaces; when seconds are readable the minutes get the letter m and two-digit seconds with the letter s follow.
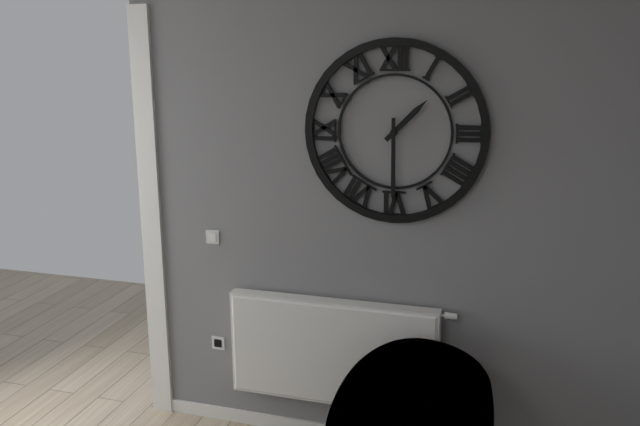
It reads 1h30
